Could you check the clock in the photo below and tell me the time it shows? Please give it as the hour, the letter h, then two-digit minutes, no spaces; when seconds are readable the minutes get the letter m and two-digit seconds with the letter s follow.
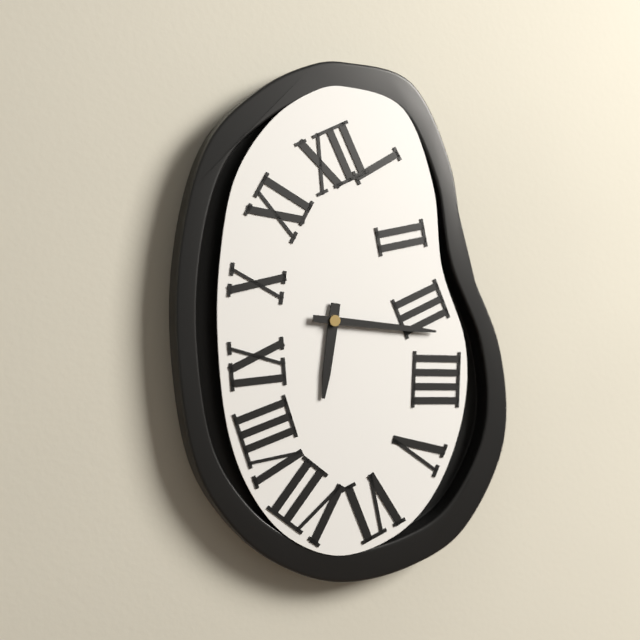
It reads 6h16
